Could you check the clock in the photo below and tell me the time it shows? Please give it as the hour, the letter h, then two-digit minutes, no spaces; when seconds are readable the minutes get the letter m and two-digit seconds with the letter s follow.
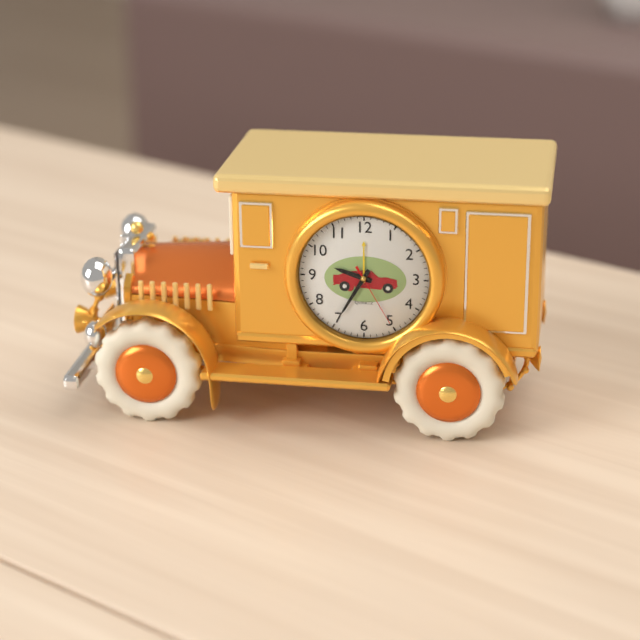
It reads 9h35m25s
